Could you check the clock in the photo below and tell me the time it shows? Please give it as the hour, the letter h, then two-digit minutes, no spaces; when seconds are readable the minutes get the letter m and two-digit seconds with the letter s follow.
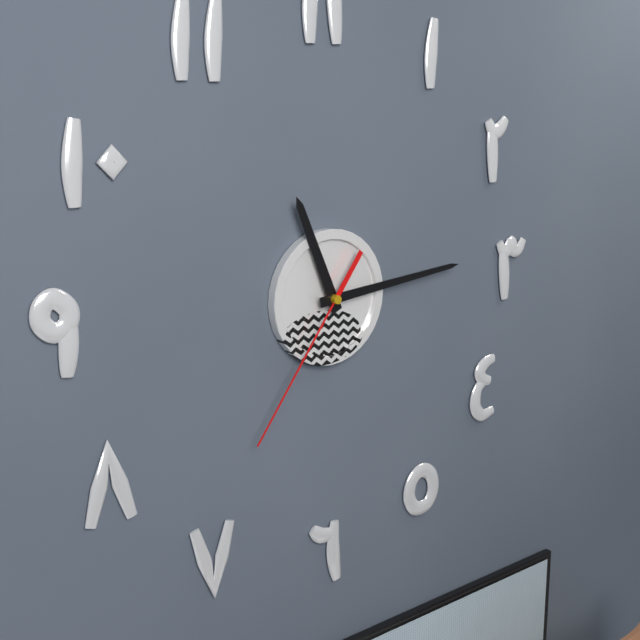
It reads 11h14m36s
